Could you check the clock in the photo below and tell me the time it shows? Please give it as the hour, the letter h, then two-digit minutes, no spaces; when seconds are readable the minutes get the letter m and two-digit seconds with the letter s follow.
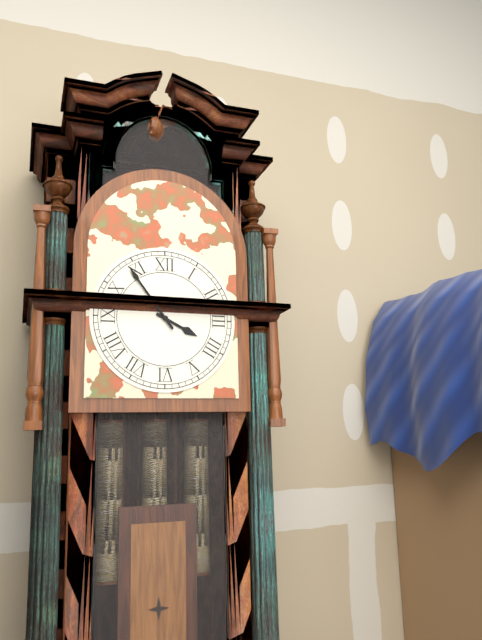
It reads 3h54
